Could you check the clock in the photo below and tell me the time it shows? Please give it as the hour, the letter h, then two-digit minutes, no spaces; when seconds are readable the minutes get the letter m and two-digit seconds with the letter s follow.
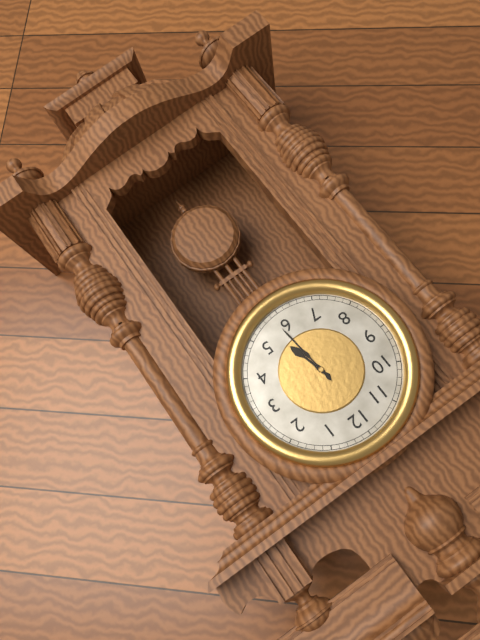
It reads 5h29
